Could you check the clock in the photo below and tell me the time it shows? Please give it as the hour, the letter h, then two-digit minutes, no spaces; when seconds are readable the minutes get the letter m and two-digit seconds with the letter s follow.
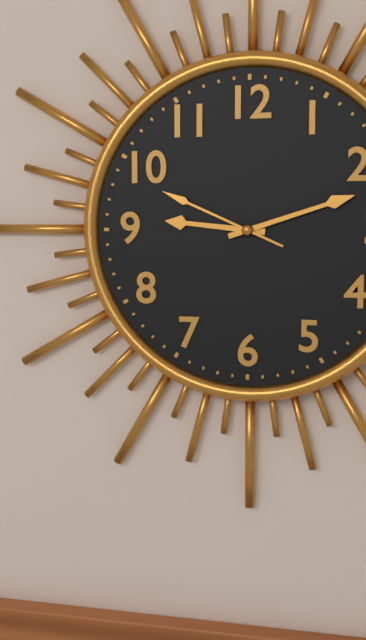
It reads 9h12m49s
